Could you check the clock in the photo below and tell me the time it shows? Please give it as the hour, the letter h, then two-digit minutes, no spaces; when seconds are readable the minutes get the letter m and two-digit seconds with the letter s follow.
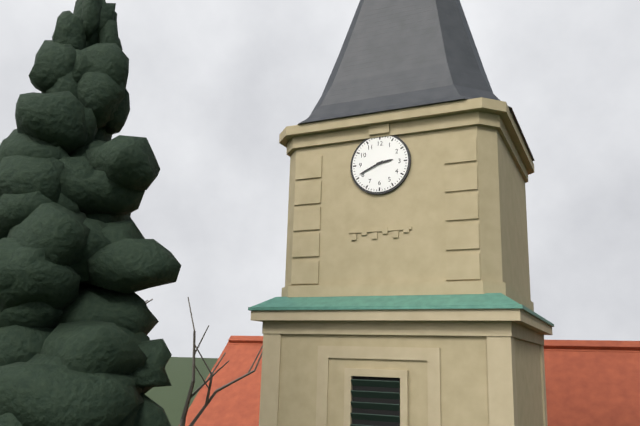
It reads 2h41
